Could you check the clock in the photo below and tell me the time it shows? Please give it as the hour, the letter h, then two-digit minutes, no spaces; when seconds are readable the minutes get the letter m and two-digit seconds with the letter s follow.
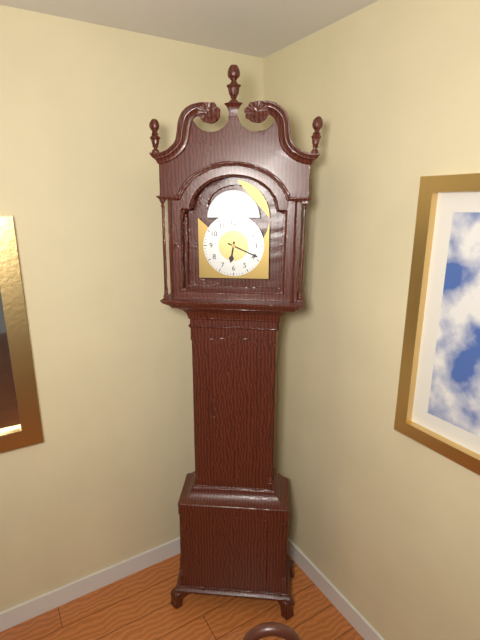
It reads 6h19
